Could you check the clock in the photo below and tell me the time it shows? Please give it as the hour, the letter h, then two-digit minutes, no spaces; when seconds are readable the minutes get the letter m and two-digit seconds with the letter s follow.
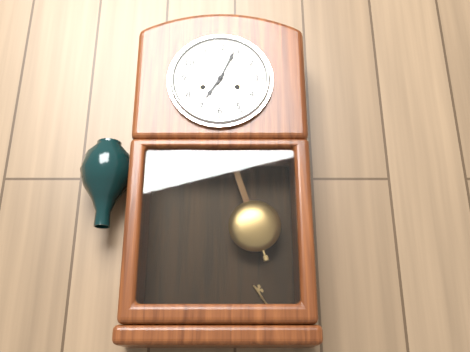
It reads 7h04
